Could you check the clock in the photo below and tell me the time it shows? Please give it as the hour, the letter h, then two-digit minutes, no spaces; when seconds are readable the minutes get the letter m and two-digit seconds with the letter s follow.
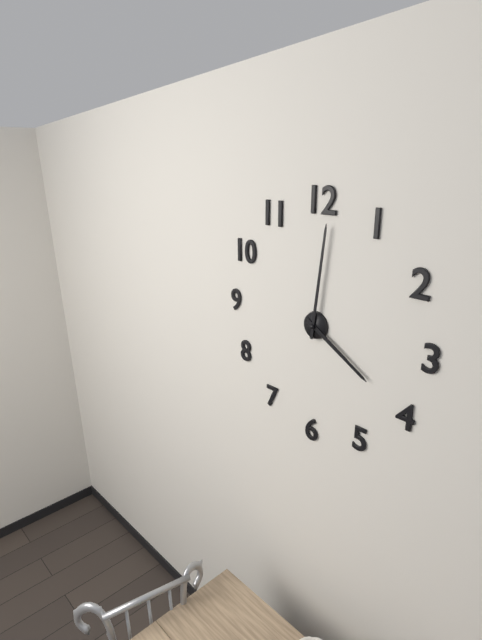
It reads 4h01
